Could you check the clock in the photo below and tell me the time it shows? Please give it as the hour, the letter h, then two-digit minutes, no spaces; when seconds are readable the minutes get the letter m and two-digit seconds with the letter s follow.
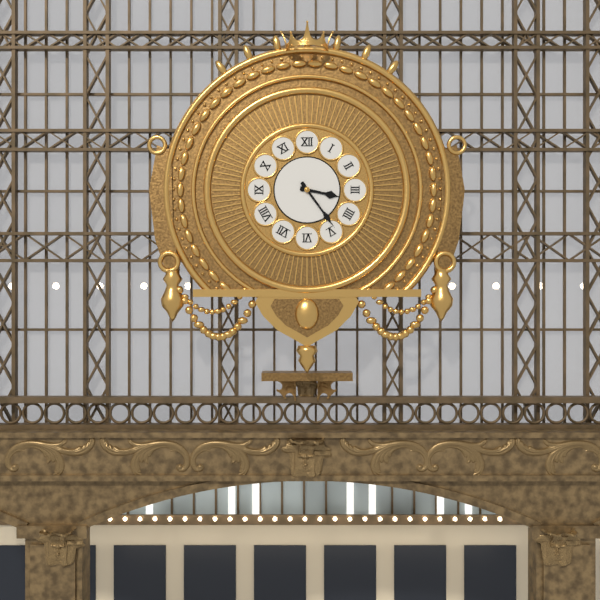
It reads 3h24
